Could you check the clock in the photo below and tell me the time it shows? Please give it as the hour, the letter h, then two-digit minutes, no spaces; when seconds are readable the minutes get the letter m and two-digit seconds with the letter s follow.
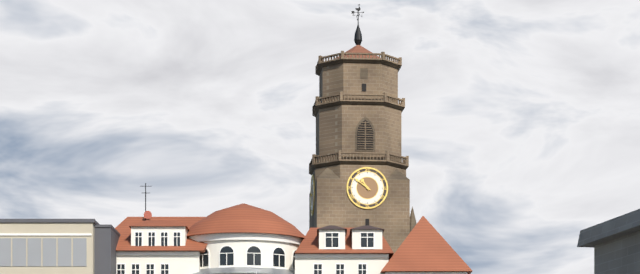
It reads 10h51
